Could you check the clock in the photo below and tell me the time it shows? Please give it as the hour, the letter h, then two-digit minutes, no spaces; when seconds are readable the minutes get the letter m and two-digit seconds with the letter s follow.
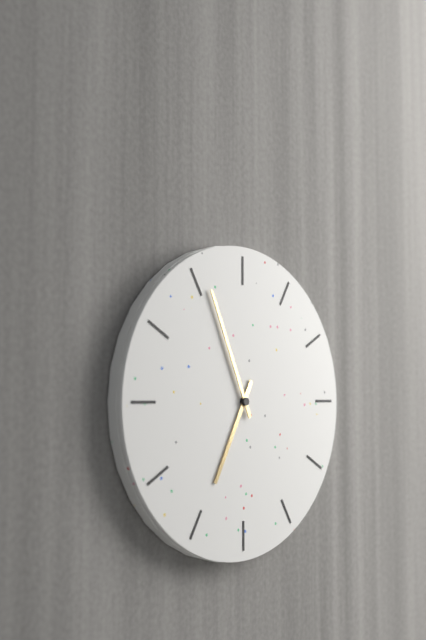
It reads 6h56
